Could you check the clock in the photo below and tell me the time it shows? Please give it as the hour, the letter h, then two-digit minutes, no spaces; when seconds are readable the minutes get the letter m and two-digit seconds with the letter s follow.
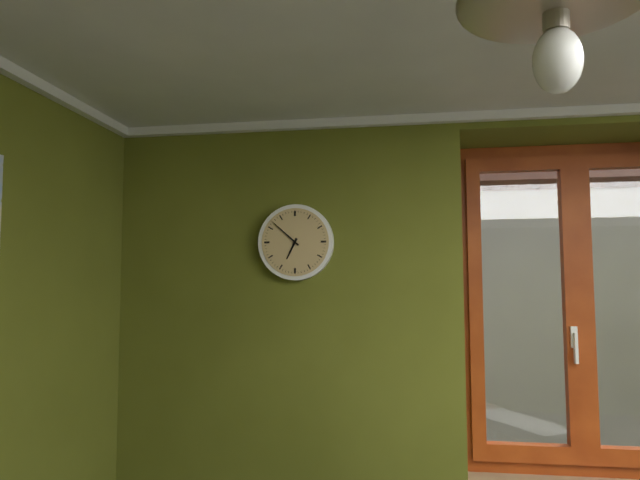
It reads 6h52
